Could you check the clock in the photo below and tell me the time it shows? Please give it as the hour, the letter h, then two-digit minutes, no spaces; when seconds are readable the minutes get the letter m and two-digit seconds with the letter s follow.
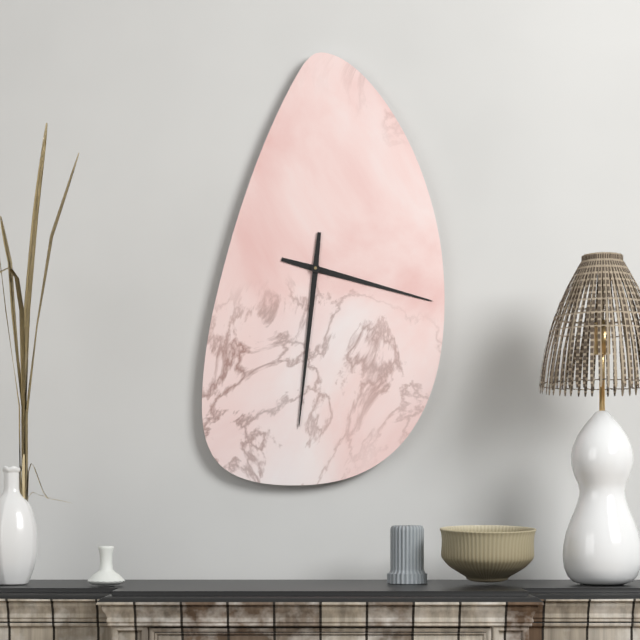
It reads 3h31
